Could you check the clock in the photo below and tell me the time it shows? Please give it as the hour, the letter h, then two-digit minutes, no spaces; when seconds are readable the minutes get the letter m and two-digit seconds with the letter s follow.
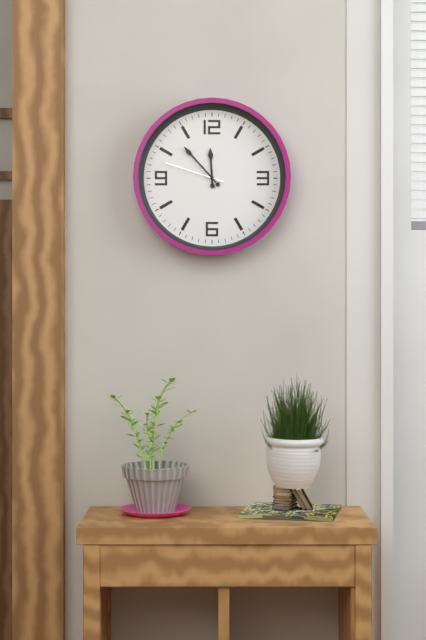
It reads 11h53m48s
